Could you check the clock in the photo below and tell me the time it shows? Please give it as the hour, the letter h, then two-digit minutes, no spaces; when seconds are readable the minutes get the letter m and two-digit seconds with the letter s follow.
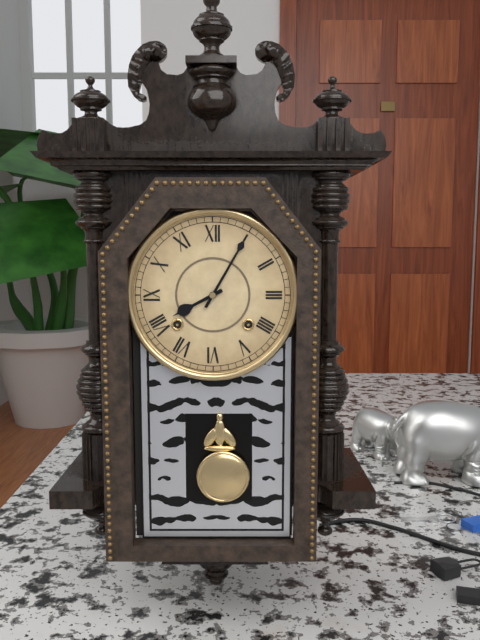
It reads 8h05
